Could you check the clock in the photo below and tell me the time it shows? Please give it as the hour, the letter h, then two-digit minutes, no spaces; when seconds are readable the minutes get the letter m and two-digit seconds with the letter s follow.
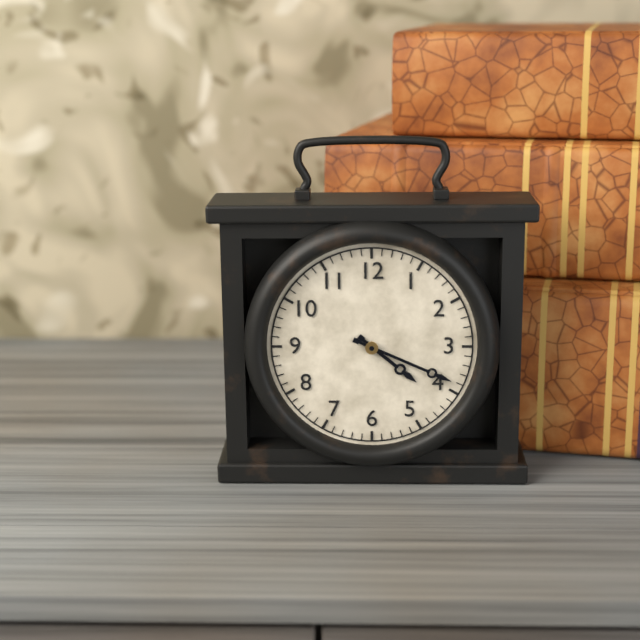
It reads 4h19
